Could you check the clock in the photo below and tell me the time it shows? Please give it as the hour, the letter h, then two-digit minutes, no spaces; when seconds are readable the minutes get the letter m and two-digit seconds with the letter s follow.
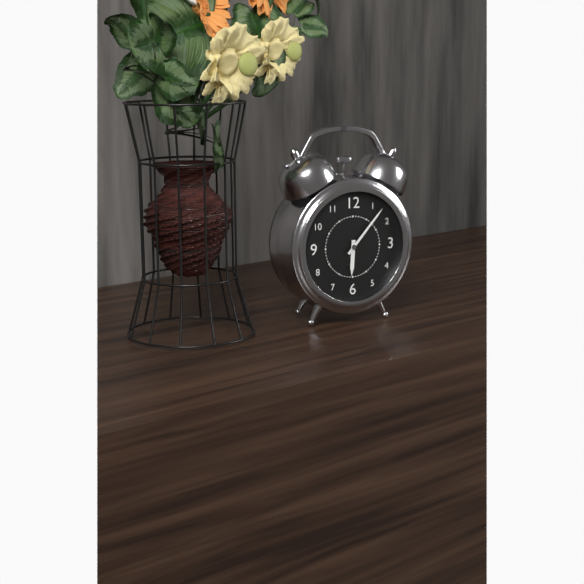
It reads 6h07
